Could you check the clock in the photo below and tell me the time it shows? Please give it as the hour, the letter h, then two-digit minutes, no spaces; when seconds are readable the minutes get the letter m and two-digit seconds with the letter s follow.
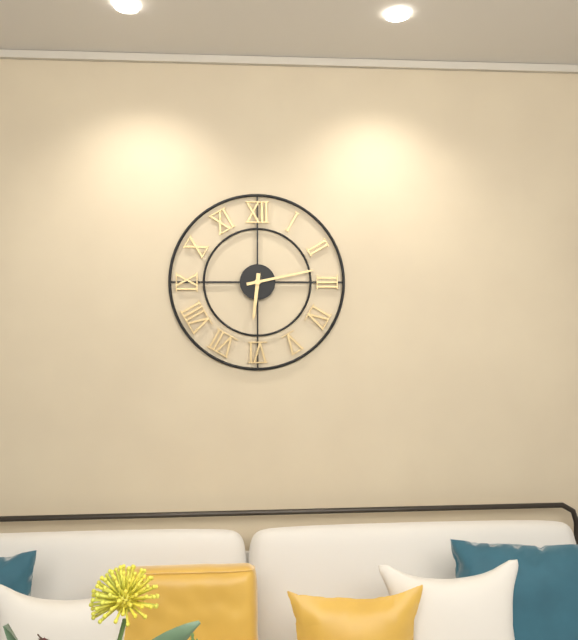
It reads 6h13
